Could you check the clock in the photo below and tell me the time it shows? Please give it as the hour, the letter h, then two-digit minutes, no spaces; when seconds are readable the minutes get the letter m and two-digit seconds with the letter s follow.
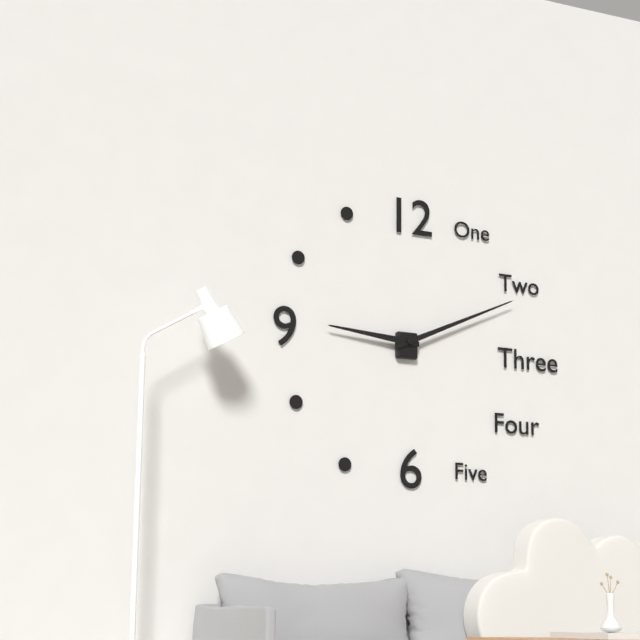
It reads 9h11
